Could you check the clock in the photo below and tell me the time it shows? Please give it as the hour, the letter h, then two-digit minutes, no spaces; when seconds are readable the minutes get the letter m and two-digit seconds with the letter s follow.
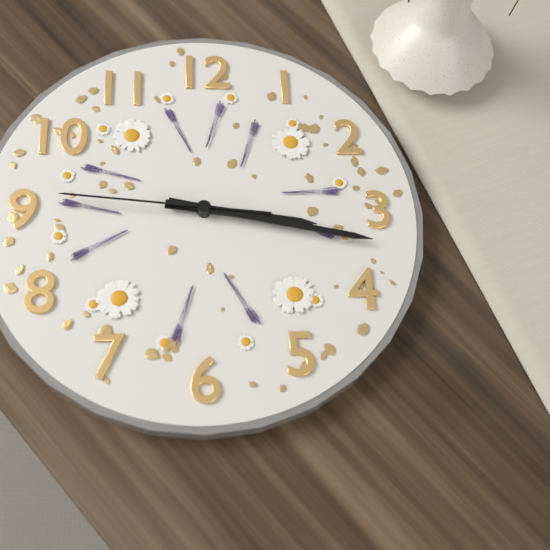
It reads 3h17m46s
